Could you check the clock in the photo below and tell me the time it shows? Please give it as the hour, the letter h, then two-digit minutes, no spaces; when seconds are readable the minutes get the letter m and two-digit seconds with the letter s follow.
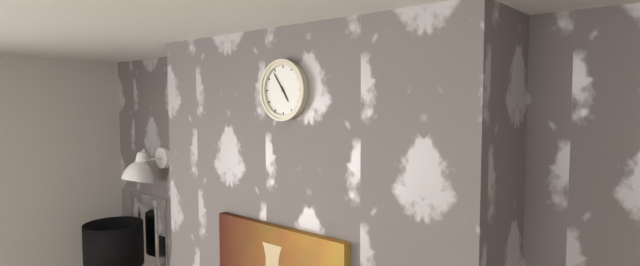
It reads 4h54
